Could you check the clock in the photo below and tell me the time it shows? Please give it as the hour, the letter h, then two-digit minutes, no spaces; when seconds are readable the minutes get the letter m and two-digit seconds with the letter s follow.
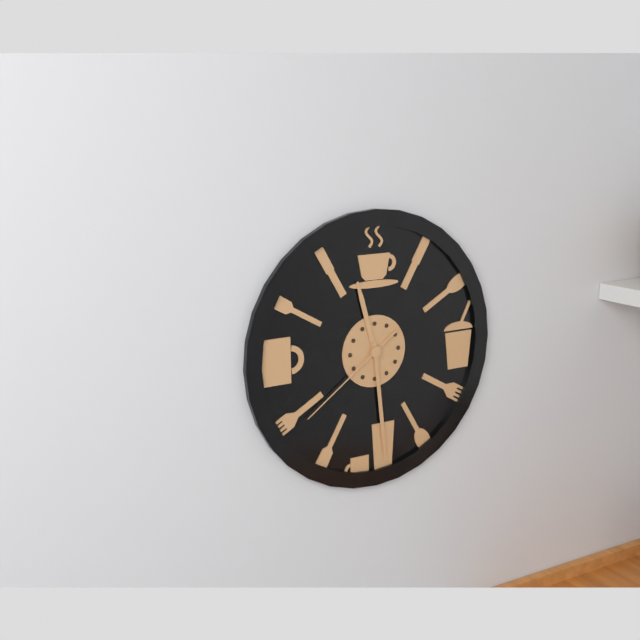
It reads 11h29m39s
